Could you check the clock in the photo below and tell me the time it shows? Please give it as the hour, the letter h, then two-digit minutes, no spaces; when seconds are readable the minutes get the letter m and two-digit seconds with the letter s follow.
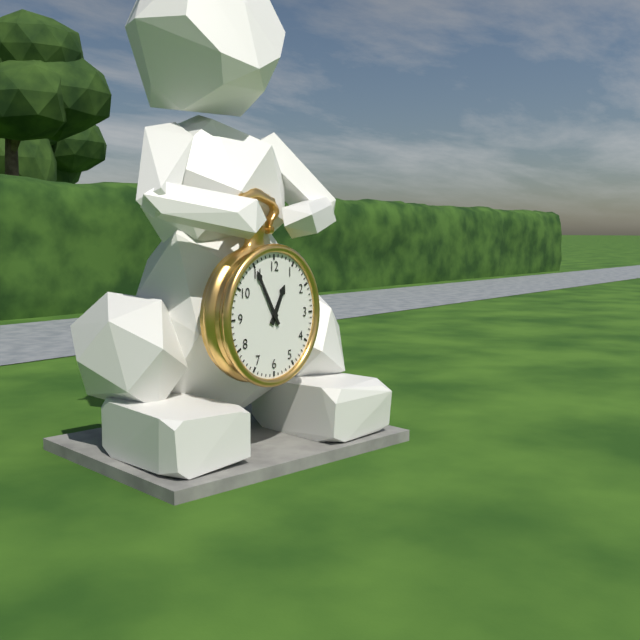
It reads 12h55
